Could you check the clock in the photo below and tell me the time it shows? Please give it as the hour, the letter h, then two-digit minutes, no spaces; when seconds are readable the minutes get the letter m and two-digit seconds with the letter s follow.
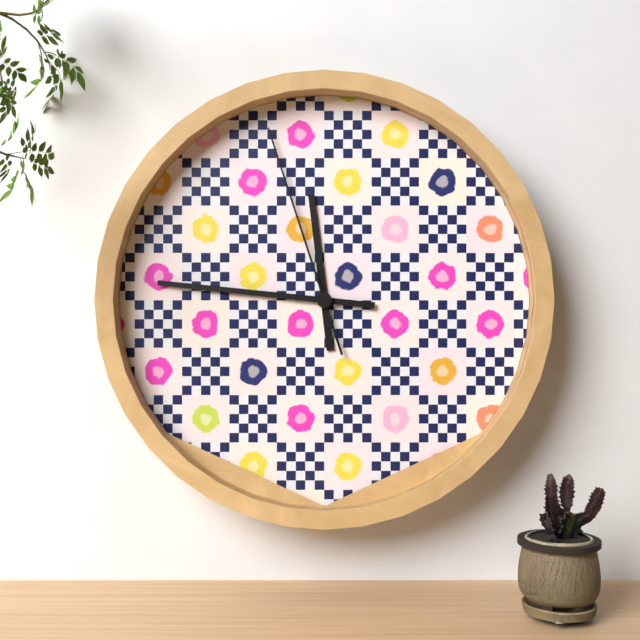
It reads 11h46m57s
